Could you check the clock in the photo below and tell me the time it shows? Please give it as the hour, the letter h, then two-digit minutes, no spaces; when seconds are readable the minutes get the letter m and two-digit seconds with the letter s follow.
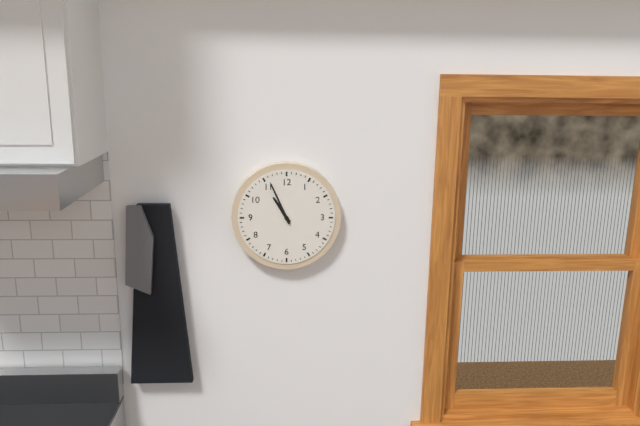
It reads 10h56
